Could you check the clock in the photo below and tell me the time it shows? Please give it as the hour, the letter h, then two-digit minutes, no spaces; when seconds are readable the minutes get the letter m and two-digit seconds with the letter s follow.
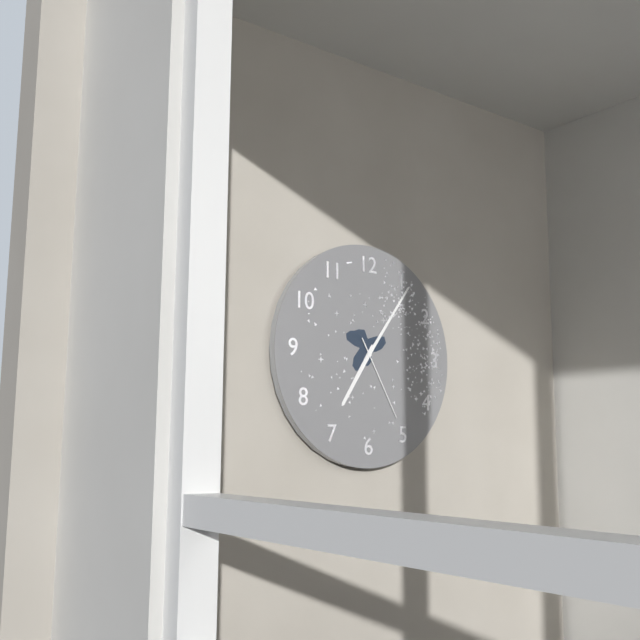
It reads 7h06m25s
